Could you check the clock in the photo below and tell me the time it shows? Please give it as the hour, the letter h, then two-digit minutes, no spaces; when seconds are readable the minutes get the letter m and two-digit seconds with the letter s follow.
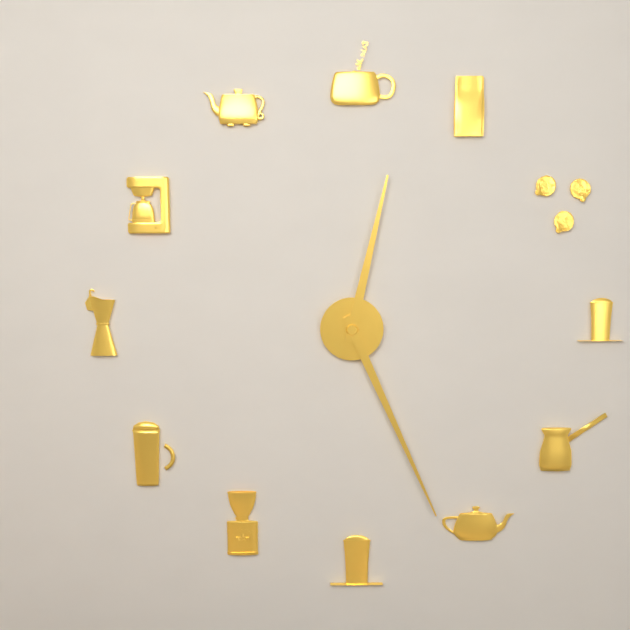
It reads 12h26
